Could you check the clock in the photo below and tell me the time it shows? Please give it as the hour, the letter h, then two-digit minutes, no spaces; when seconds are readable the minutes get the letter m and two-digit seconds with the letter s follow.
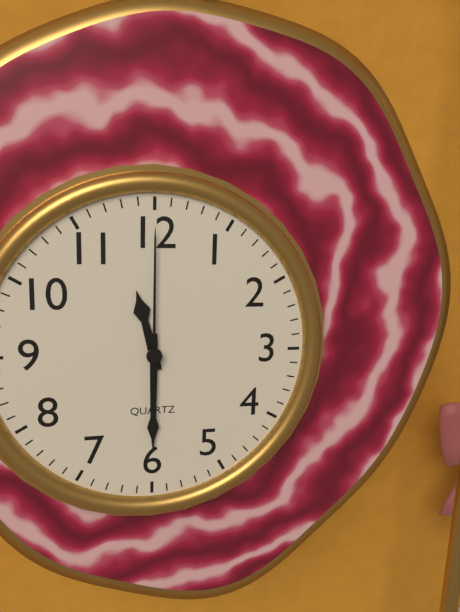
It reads 11h30m00s
